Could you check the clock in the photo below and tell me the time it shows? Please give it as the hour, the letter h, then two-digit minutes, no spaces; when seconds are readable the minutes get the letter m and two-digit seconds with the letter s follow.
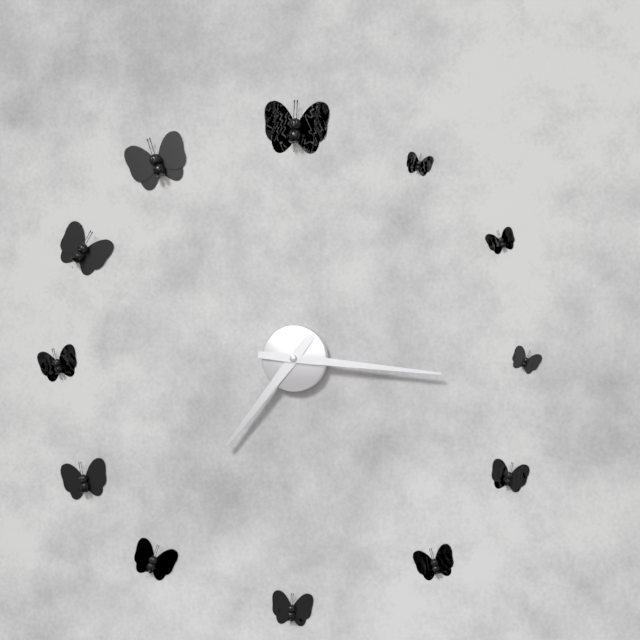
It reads 7h16
